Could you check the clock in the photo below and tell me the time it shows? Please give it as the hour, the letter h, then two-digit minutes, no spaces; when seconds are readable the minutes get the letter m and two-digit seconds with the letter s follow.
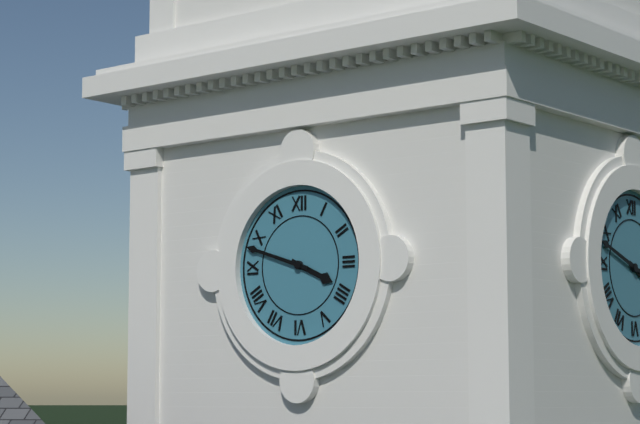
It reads 3h48
